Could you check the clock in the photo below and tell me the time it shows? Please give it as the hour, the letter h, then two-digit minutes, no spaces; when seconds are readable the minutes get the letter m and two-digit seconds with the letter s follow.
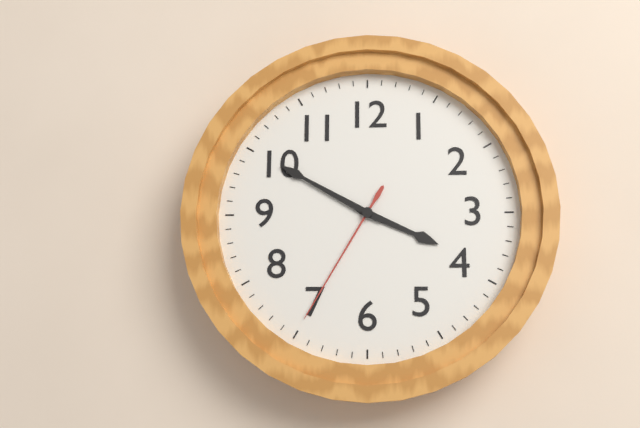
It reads 3h50m35s
